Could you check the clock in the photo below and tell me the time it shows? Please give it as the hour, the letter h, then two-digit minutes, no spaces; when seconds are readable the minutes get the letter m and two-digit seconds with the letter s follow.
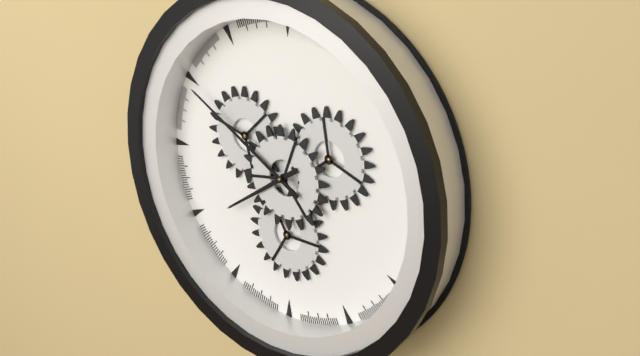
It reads 7h50
